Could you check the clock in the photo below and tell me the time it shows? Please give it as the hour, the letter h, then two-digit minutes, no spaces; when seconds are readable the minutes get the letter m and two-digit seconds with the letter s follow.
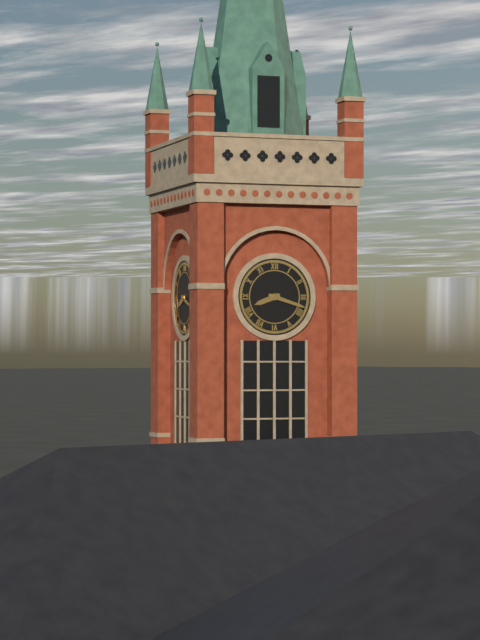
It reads 8h18
